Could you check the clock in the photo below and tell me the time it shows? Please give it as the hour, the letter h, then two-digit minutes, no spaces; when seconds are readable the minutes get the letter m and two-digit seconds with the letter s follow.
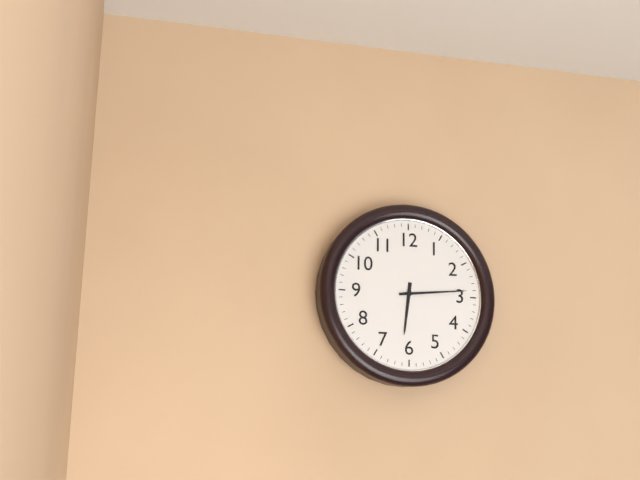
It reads 6h14
